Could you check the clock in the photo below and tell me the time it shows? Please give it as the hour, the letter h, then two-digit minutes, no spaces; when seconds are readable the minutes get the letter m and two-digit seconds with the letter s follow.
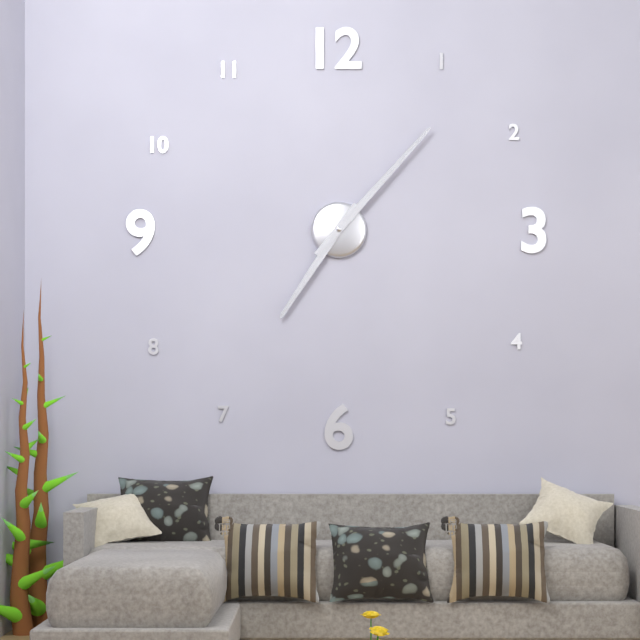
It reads 7h07
